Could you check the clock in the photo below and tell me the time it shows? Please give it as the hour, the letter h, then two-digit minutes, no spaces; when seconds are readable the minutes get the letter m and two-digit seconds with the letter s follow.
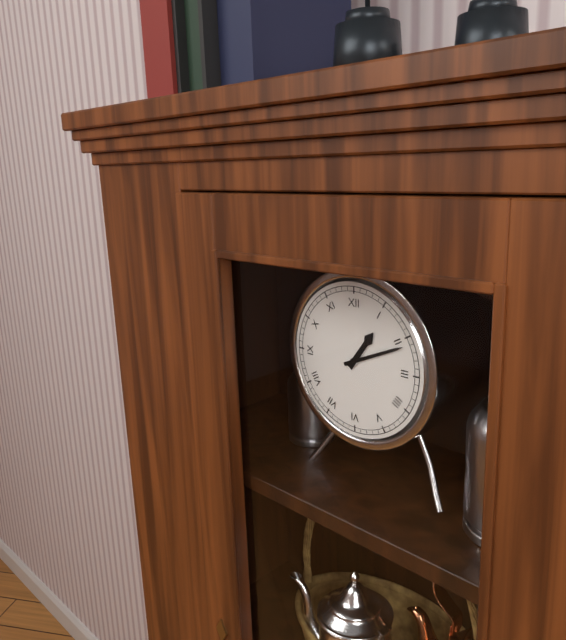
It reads 1h11
